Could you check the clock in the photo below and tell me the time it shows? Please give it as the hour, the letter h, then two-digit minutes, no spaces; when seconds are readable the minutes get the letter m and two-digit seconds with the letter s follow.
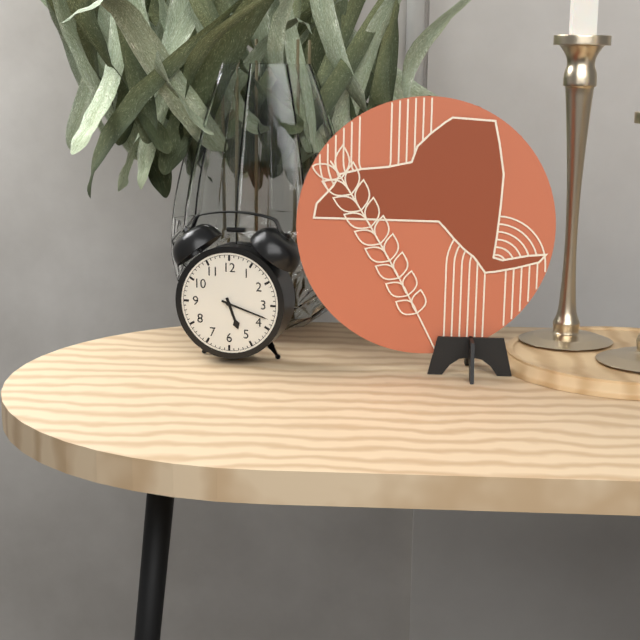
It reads 5h18
